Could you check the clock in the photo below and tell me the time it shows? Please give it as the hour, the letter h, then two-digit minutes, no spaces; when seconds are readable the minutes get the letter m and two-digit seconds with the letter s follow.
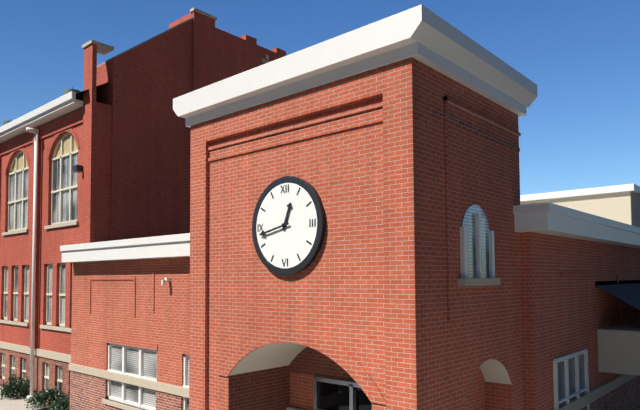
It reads 12h43
